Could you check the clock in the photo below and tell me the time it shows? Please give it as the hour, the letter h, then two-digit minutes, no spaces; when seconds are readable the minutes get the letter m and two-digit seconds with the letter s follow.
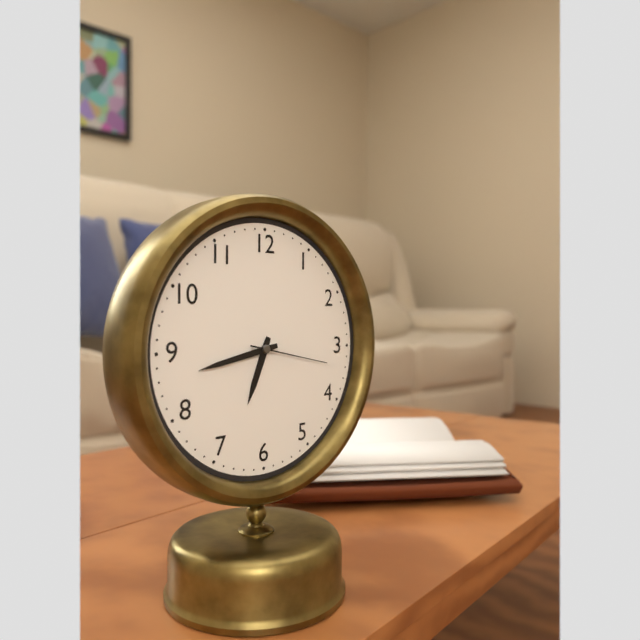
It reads 6h43m17s
